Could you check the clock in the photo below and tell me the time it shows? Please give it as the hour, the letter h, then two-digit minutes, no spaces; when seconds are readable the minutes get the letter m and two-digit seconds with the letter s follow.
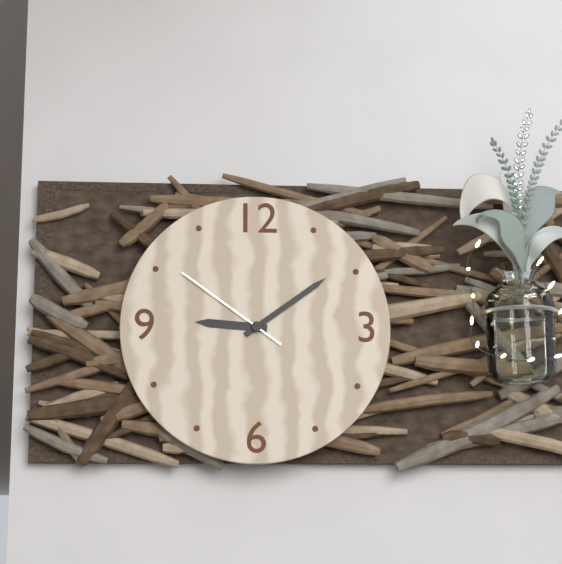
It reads 9h09m51s
